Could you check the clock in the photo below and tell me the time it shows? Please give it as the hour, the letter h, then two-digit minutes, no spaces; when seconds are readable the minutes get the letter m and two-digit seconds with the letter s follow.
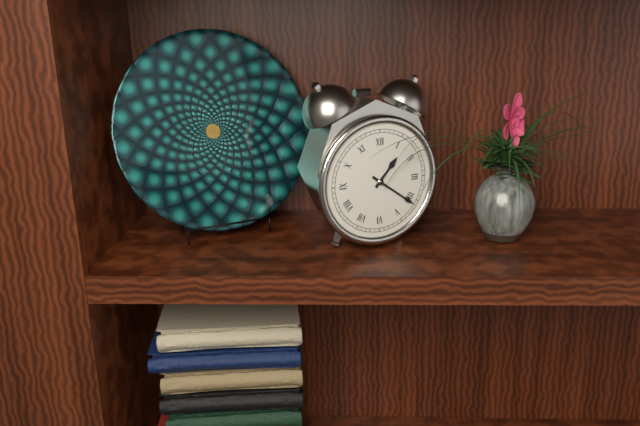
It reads 1h21
